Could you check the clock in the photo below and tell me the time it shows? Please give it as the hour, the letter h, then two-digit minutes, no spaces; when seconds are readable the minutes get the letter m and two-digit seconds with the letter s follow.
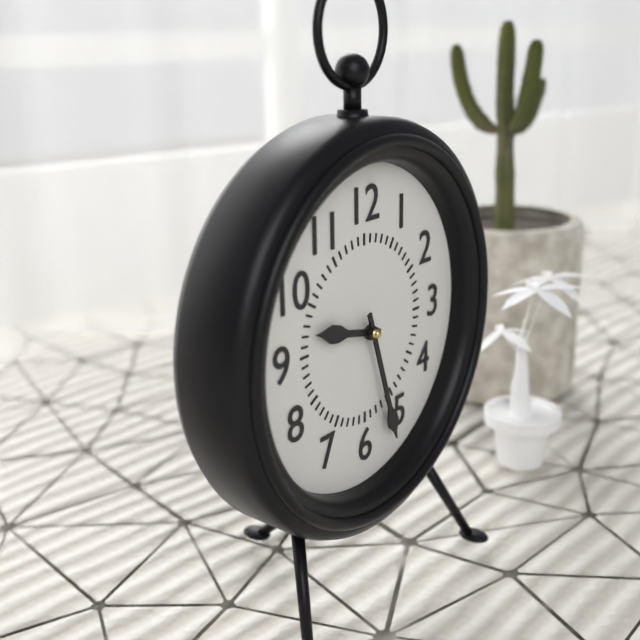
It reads 9h27
